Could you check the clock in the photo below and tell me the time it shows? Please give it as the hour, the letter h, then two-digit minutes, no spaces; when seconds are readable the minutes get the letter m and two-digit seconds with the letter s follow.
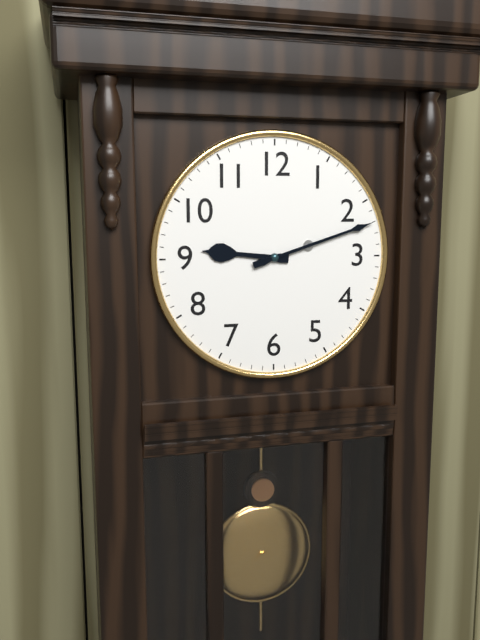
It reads 9h12
